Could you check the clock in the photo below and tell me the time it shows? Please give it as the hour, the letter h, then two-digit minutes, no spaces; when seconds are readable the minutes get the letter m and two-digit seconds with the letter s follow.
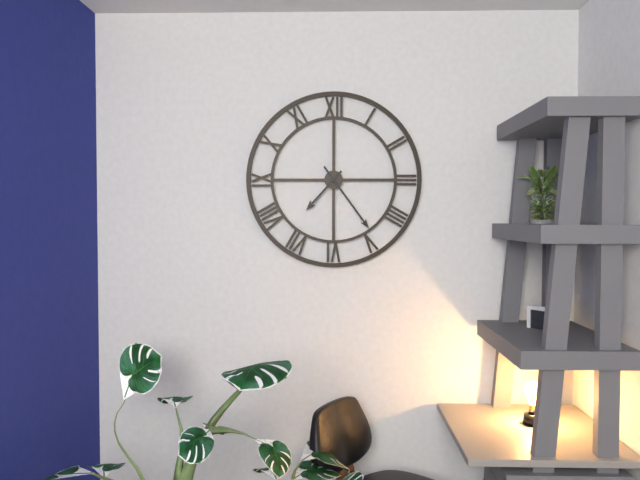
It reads 7h24
